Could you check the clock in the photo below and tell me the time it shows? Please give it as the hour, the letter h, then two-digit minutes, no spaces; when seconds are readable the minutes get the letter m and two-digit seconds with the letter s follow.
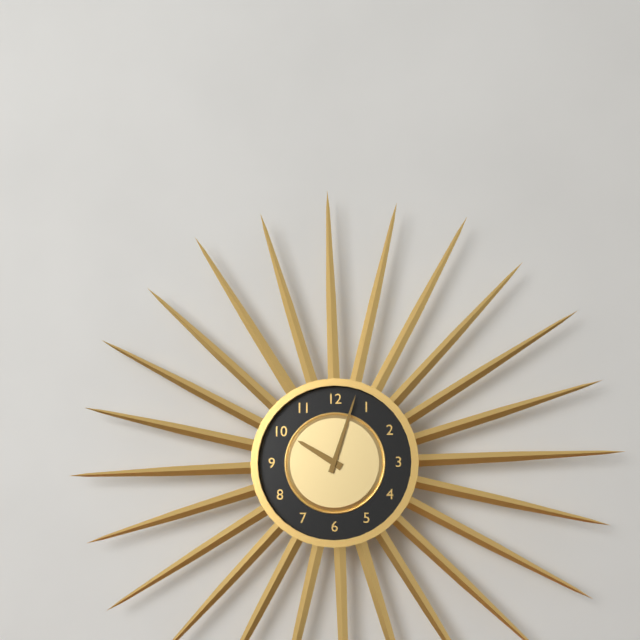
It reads 10h03
